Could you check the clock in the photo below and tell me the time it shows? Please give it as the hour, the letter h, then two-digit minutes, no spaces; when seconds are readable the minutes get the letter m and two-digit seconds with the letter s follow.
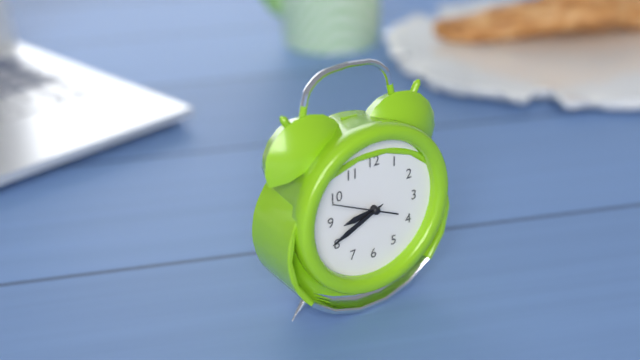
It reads 8h41m49s
